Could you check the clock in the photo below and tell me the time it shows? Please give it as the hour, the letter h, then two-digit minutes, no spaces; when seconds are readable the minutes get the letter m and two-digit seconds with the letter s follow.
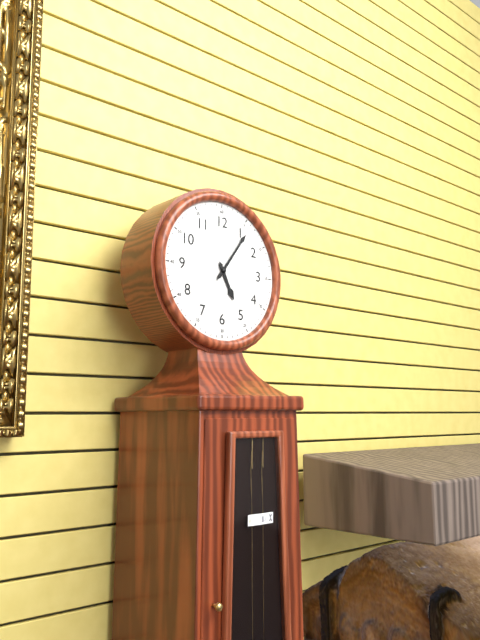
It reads 5h06
